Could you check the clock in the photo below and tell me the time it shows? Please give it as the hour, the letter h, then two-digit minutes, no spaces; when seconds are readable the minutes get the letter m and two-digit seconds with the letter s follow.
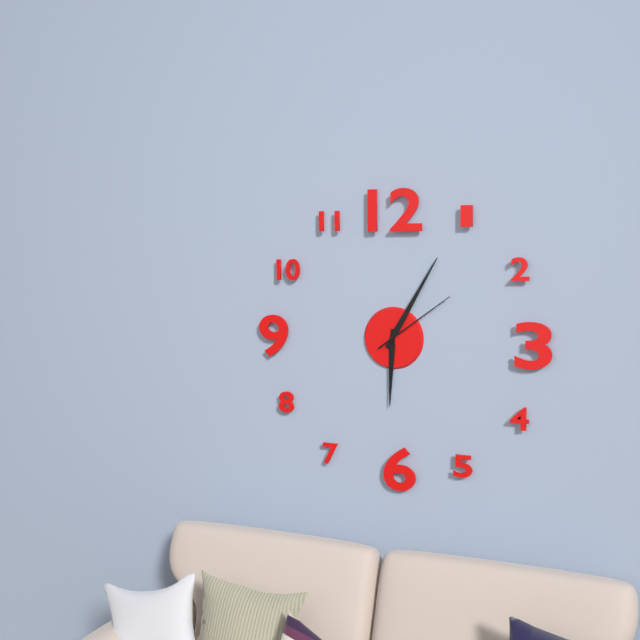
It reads 6h05m09s
